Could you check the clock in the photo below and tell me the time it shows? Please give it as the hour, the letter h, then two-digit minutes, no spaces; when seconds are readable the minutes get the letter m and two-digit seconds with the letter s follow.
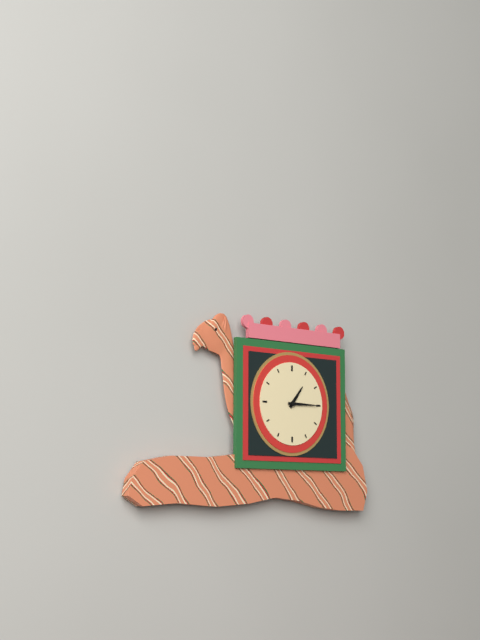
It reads 1h15
